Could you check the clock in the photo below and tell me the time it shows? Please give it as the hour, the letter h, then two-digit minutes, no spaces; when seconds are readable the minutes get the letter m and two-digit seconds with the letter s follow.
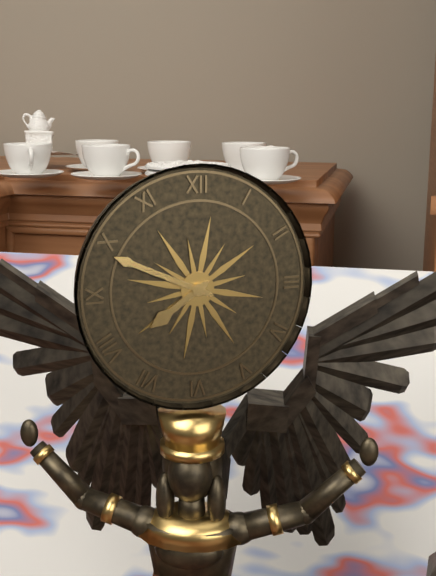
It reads 7h49
